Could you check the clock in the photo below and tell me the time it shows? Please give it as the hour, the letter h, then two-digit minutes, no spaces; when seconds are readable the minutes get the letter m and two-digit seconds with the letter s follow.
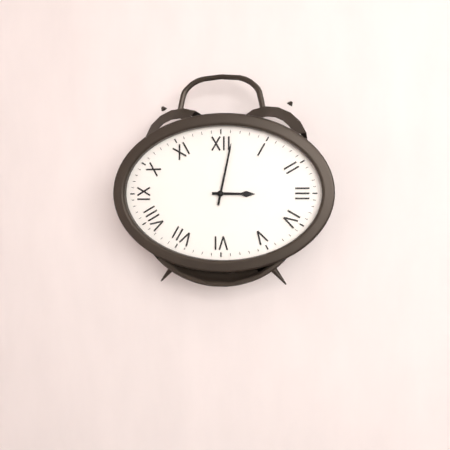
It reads 3h02
